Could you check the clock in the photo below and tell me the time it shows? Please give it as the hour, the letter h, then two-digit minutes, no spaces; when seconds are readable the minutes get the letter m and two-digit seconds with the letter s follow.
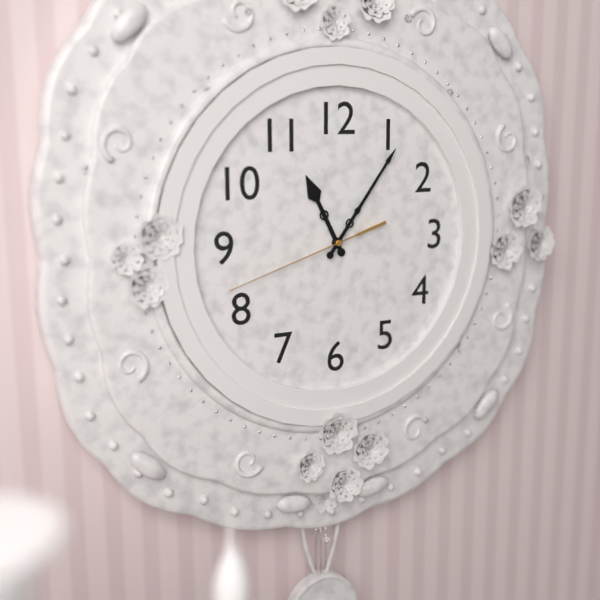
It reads 11h06m42s
